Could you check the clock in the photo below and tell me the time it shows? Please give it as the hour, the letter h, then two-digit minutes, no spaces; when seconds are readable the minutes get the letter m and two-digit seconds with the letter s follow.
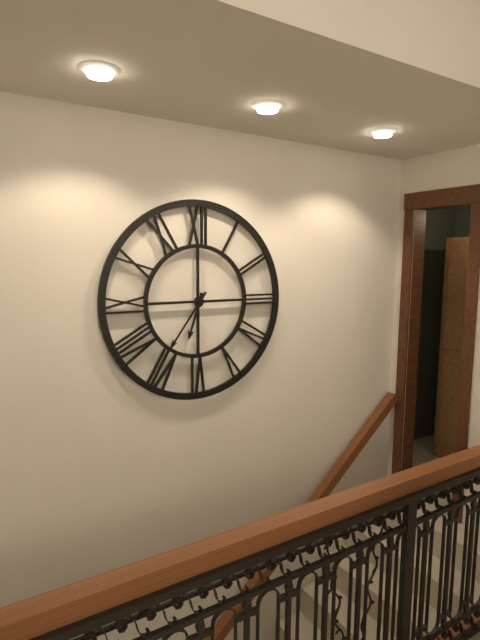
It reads 6h36
